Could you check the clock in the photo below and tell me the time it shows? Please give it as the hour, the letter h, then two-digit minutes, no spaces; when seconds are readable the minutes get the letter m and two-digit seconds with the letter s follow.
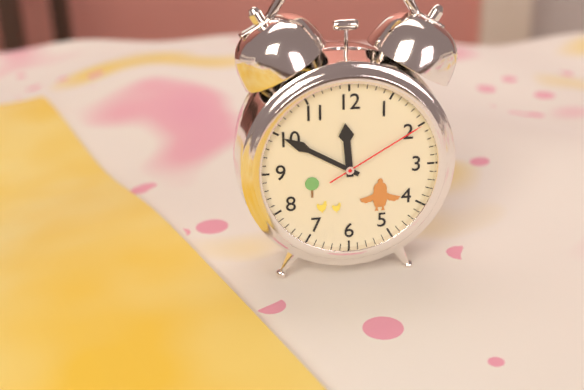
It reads 11h50m10s
